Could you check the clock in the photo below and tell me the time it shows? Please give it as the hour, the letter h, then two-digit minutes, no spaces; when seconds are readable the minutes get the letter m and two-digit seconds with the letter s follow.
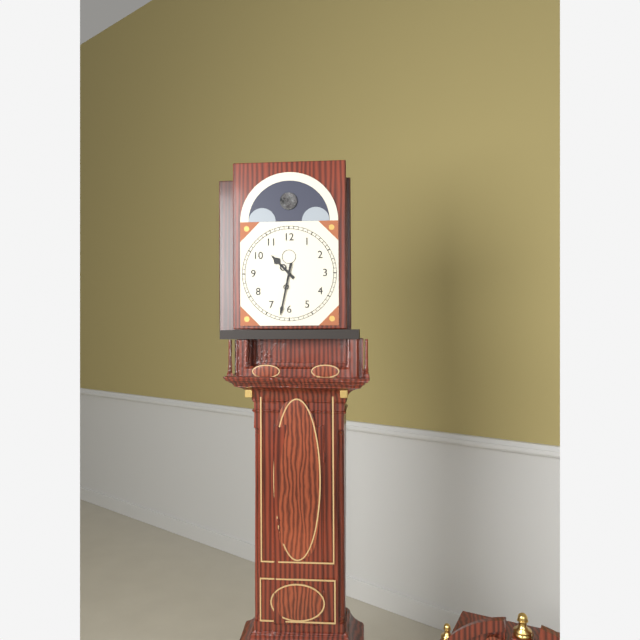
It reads 10h32
